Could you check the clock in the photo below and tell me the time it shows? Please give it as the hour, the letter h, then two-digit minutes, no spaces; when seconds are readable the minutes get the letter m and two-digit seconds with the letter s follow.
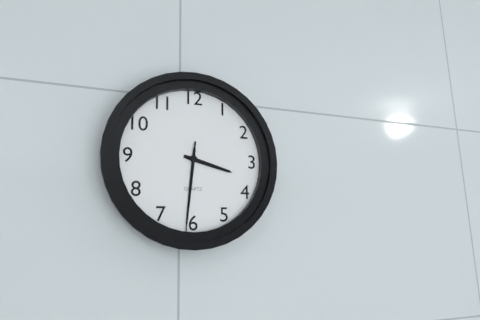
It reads 3h31m31s
